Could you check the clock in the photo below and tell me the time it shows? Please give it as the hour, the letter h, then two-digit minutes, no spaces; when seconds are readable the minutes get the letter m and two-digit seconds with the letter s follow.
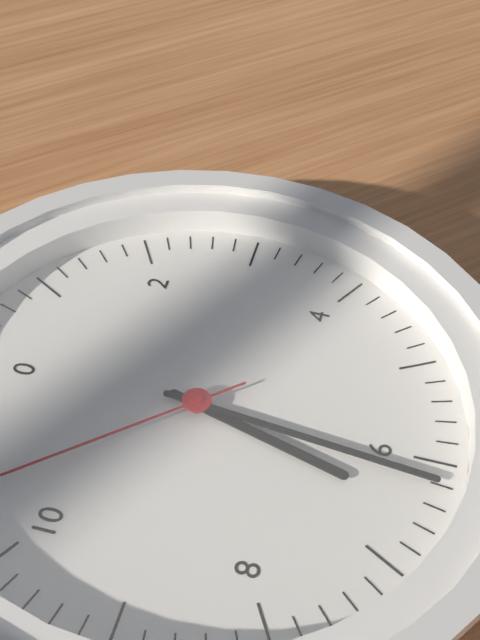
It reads 6h31
